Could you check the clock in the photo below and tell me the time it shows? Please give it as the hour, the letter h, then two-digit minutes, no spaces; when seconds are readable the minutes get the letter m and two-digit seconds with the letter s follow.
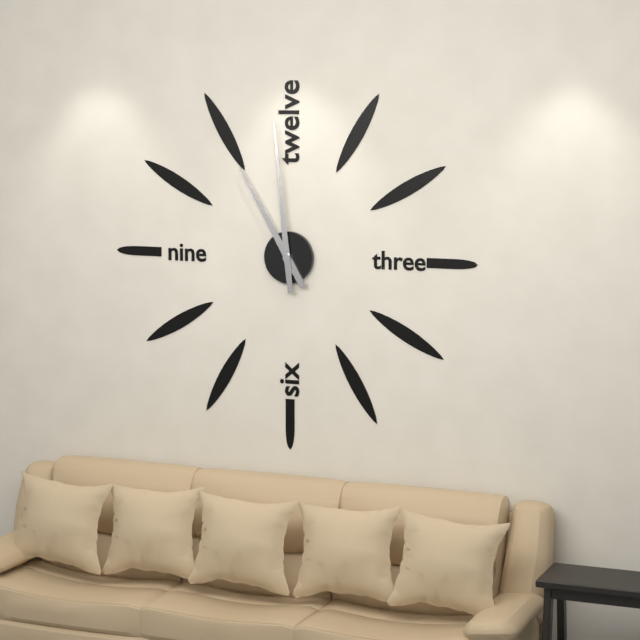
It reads 10h59
